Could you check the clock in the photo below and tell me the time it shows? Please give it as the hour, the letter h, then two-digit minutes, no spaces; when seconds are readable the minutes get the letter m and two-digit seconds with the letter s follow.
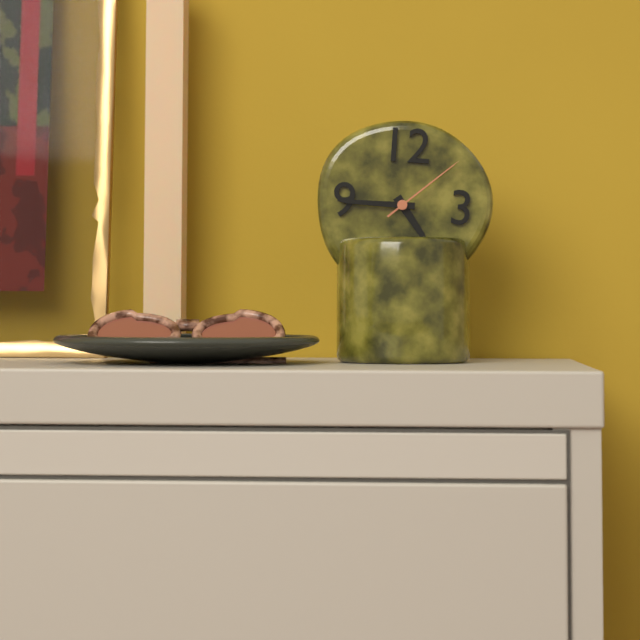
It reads 4h45m08s
